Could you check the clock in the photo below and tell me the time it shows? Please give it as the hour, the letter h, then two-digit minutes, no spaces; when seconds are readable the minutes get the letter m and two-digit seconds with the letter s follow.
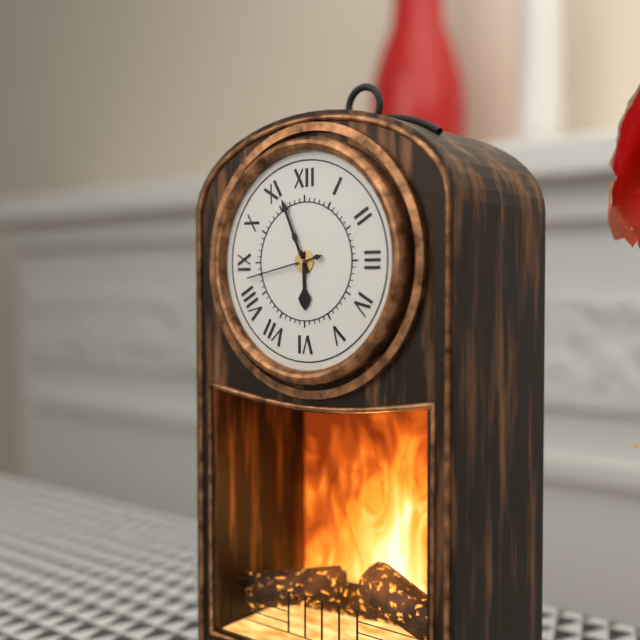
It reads 5h56m43s
